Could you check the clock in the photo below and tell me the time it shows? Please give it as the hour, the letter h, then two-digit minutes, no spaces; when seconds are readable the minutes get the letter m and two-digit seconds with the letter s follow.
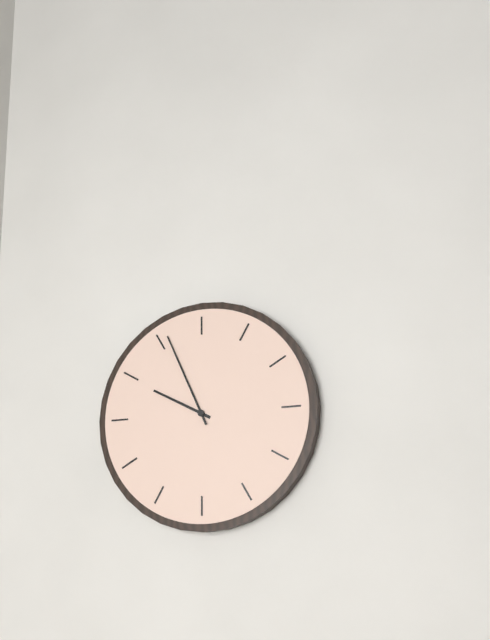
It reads 9h56
